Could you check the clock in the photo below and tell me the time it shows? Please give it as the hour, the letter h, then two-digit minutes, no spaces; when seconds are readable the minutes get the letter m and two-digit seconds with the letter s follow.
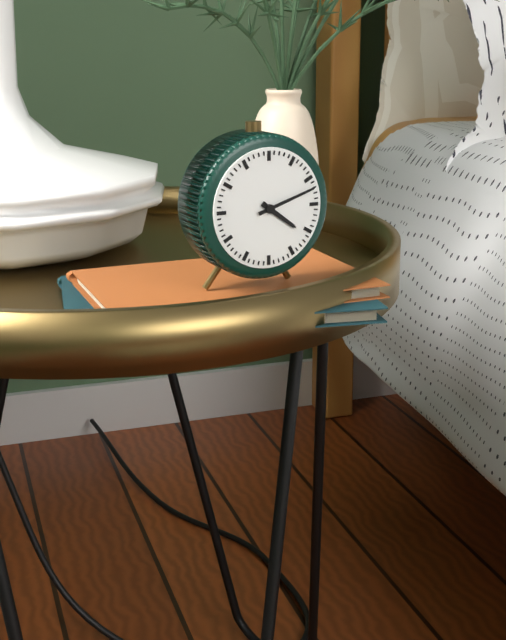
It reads 4h12
